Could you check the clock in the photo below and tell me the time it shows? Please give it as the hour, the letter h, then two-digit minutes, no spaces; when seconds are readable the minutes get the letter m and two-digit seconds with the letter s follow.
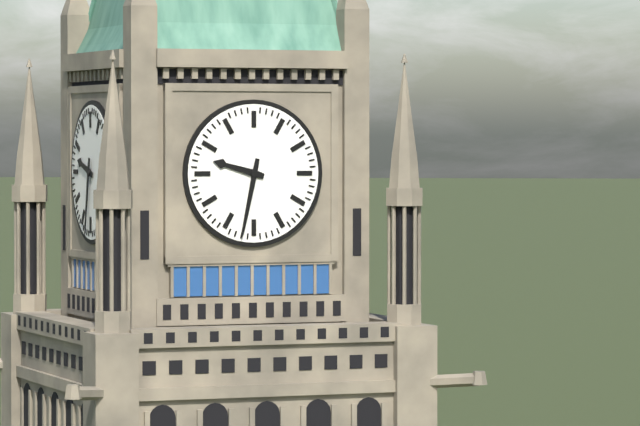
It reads 9h32
